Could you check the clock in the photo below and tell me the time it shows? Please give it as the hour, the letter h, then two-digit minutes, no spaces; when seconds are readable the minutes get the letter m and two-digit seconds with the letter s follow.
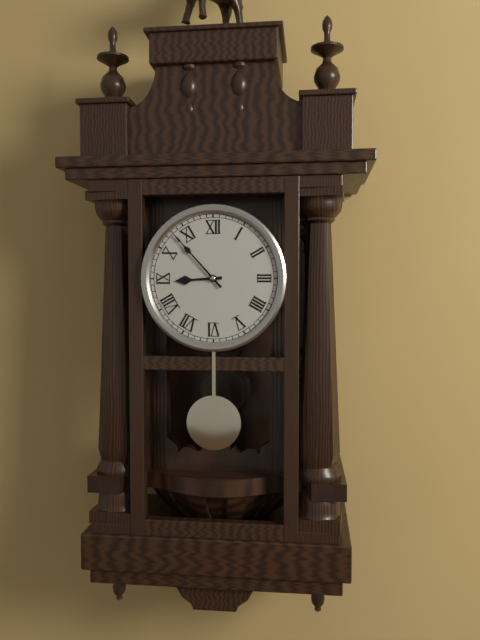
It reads 8h53
